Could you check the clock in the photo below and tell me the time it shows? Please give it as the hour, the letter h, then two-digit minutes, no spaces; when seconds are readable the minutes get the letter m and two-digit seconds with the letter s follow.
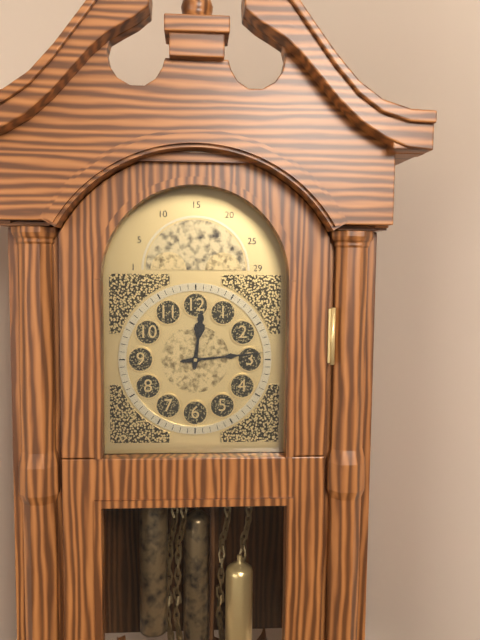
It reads 12h14
